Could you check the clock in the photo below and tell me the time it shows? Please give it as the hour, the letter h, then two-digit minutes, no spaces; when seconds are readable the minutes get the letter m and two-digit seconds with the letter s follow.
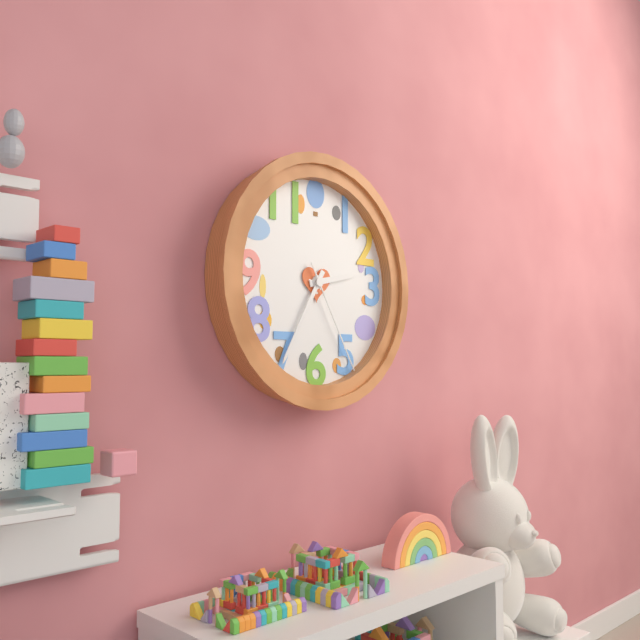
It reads 2h35m25s
